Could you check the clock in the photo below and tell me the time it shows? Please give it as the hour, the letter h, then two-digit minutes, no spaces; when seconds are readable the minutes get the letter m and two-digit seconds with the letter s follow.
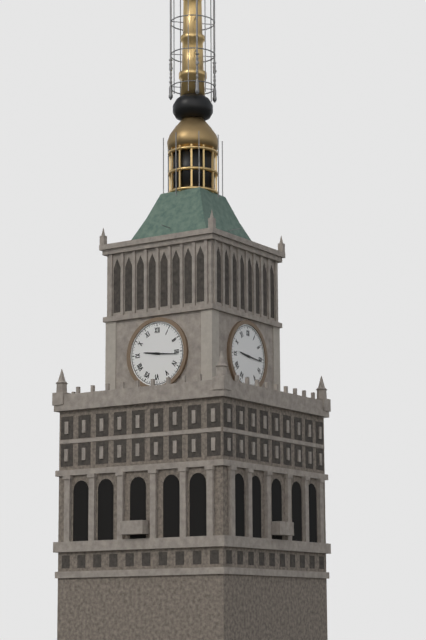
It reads 9h16
